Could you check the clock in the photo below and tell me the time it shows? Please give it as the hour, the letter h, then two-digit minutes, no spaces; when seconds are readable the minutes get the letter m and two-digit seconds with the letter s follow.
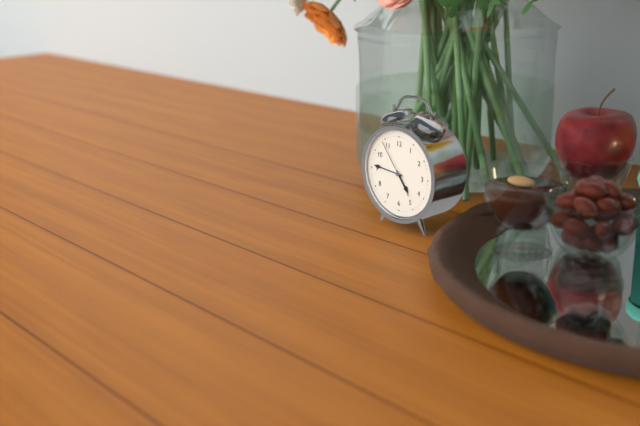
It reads 4h46
